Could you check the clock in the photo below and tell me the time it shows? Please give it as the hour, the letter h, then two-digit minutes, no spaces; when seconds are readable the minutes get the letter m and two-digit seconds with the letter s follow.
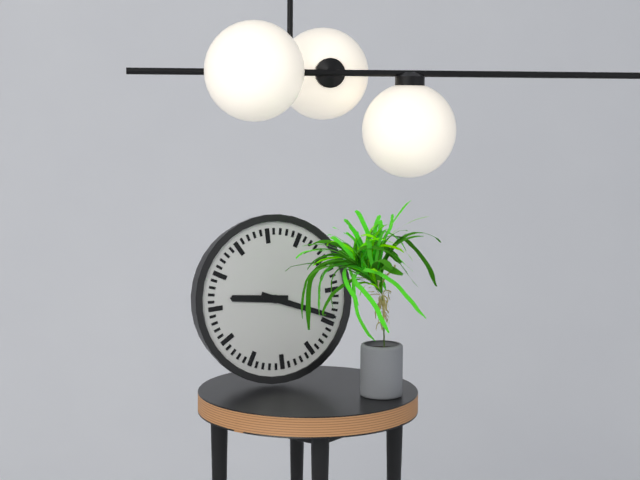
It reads 9h19
